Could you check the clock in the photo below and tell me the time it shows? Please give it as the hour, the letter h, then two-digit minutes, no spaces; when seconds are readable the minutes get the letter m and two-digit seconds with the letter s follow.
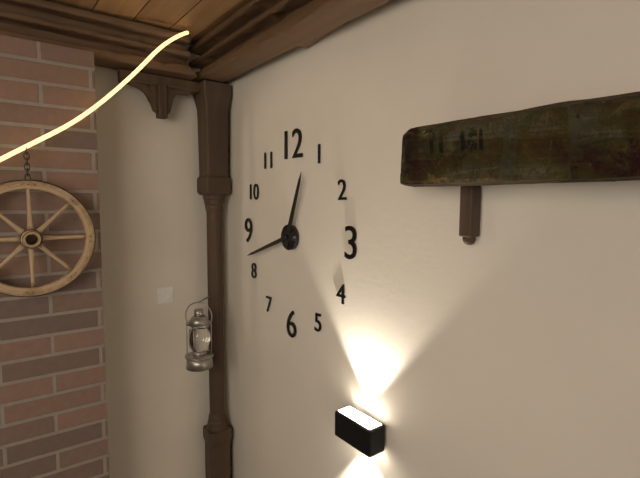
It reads 12h42
